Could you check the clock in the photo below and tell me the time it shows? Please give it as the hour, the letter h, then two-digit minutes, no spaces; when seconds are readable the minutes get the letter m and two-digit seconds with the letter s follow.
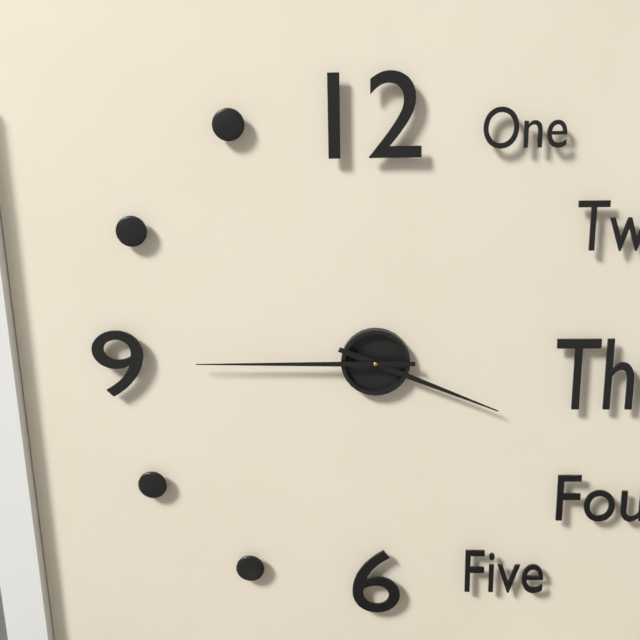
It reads 3h45
